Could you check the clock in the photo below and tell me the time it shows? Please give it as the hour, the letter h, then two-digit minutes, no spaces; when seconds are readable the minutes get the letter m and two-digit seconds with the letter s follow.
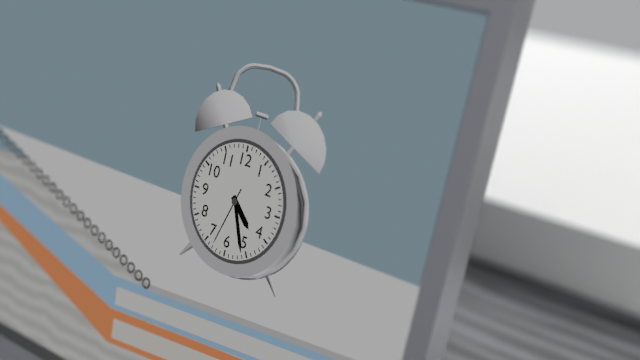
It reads 4h26m33s
